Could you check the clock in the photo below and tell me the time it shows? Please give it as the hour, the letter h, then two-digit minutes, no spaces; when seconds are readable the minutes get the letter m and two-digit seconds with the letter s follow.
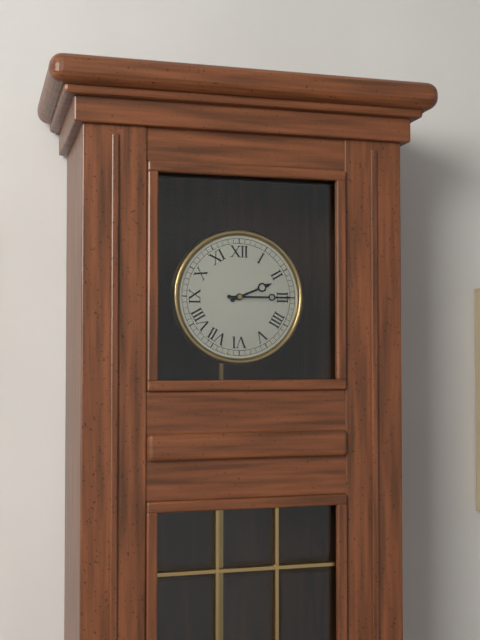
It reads 2h15
